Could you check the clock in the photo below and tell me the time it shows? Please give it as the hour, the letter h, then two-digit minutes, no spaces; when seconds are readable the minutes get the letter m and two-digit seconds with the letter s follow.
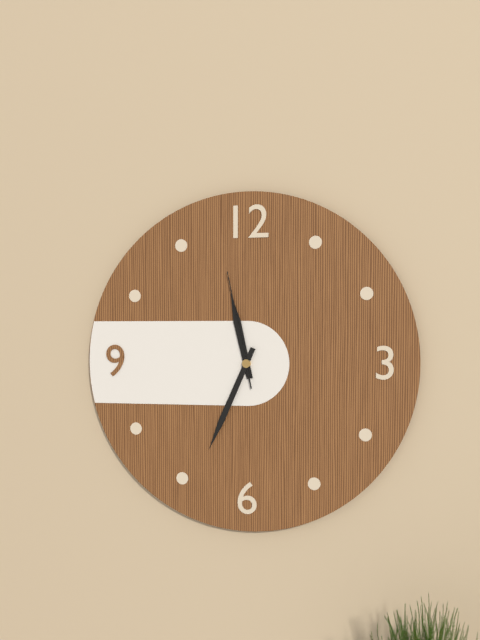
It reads 11h34m58s
